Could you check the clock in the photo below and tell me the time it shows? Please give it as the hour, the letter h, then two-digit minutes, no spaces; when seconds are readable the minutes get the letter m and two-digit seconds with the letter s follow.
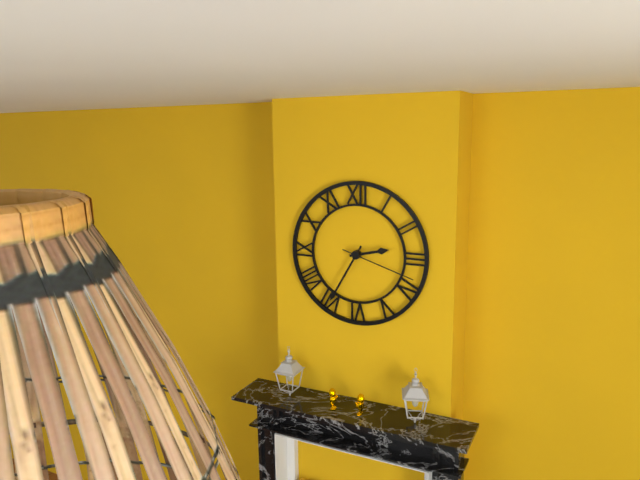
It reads 2h35m18s
